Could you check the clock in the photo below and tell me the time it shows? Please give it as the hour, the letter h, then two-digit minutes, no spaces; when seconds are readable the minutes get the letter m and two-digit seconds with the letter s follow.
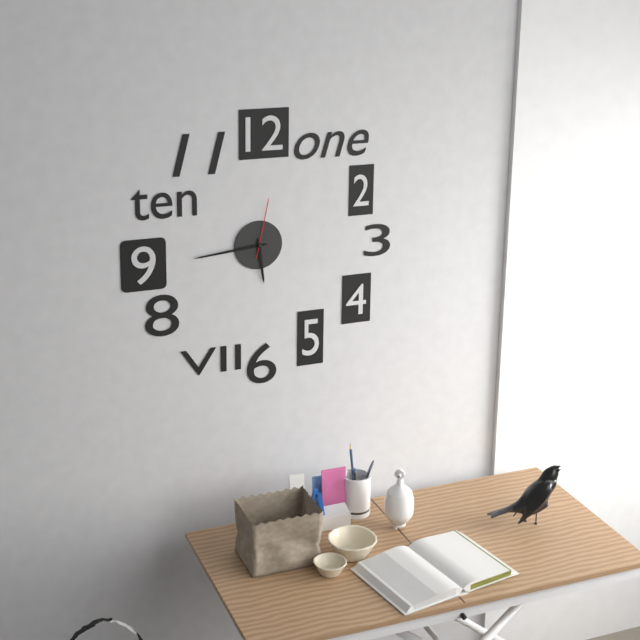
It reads 5h44m02s
